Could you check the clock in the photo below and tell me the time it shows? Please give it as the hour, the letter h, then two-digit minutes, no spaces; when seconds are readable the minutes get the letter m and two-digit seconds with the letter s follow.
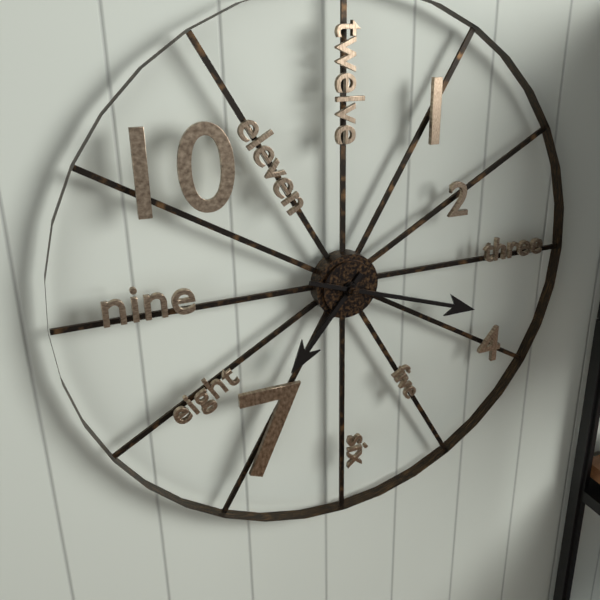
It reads 7h18
